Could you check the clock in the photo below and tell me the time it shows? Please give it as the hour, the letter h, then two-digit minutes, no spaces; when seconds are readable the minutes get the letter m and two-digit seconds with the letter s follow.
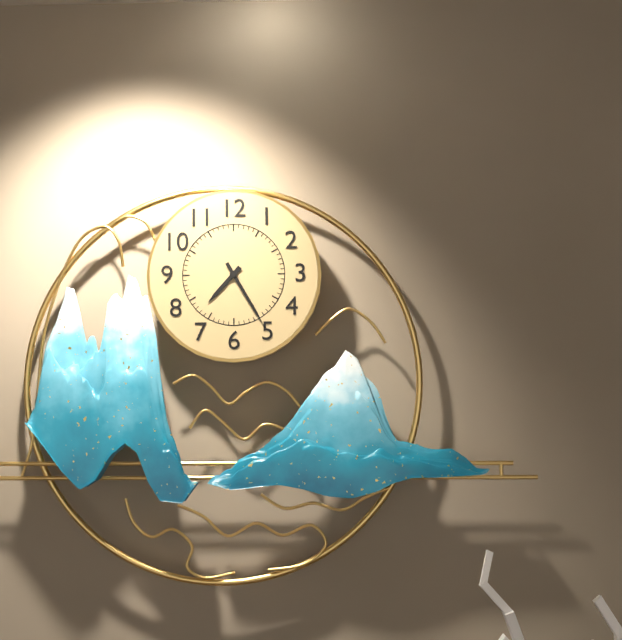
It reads 7h25
